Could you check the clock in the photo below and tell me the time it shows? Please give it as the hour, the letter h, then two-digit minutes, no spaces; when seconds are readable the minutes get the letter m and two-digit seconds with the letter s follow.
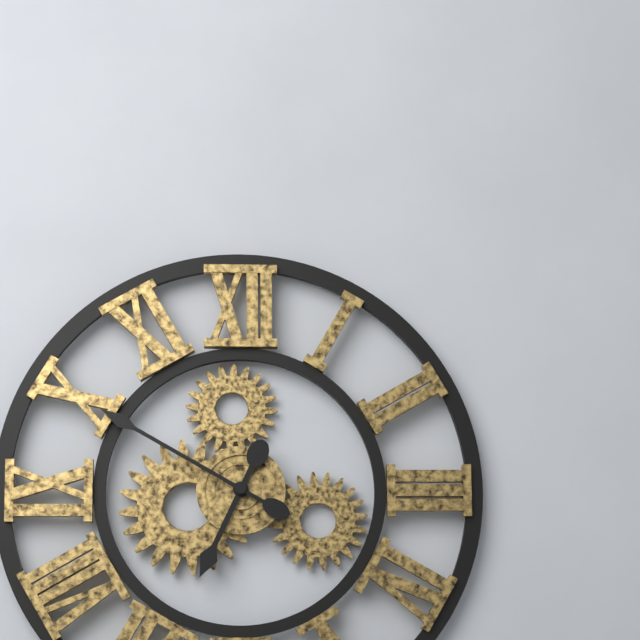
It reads 6h50
